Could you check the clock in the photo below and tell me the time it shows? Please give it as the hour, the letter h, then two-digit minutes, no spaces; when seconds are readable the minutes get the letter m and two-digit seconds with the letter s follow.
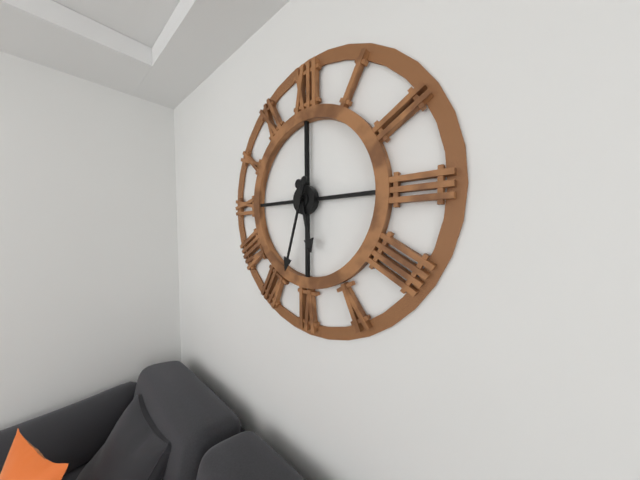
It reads 5h33
